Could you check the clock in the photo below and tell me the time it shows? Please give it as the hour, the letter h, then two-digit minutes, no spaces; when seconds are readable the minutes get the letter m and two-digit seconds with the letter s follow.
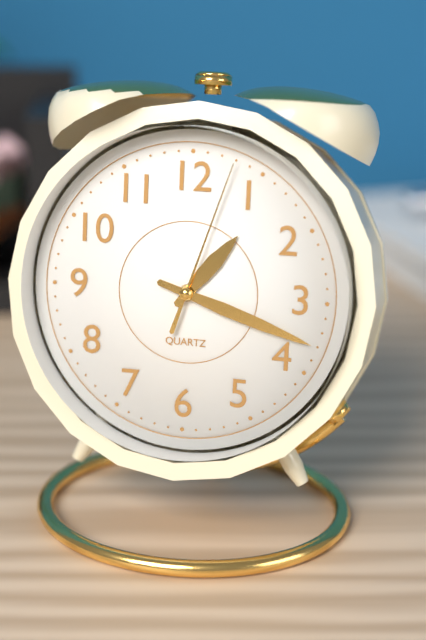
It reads 1h18m03s
